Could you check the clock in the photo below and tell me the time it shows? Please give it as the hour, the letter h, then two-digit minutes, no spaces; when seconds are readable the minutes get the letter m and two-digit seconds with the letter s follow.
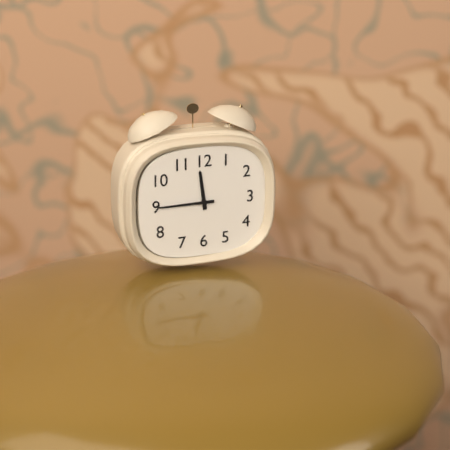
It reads 11h45
